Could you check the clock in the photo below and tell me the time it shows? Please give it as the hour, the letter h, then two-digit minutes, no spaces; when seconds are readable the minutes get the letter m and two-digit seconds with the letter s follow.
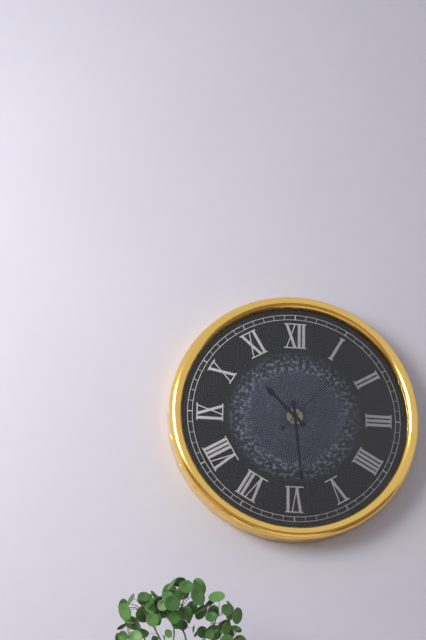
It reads 10h29m07s
